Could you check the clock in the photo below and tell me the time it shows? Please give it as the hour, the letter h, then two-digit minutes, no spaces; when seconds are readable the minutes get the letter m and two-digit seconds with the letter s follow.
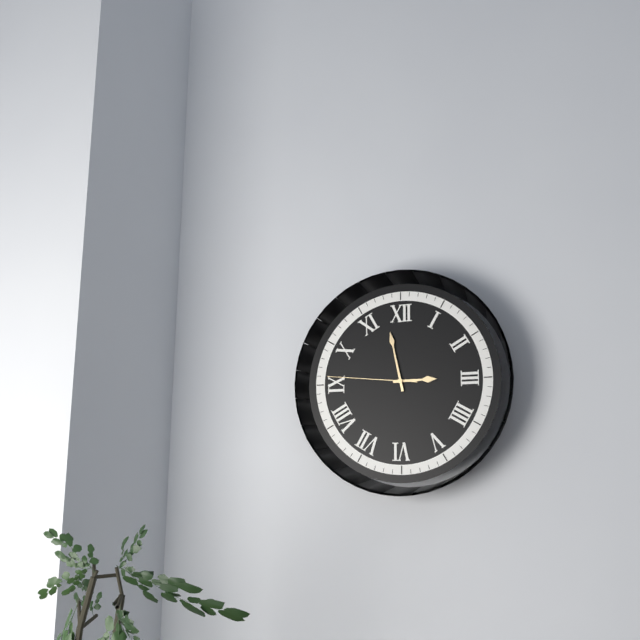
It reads 2h58m46s
